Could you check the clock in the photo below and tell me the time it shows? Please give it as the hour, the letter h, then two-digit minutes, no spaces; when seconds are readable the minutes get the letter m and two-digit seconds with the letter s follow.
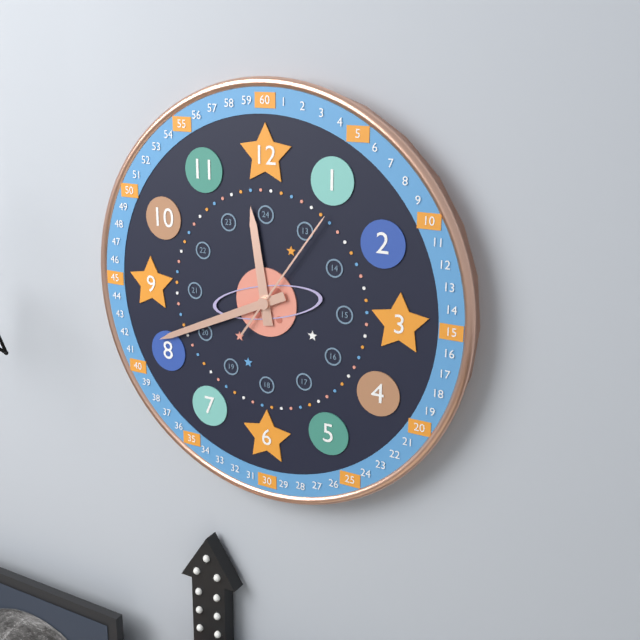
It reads 11h41m06s
